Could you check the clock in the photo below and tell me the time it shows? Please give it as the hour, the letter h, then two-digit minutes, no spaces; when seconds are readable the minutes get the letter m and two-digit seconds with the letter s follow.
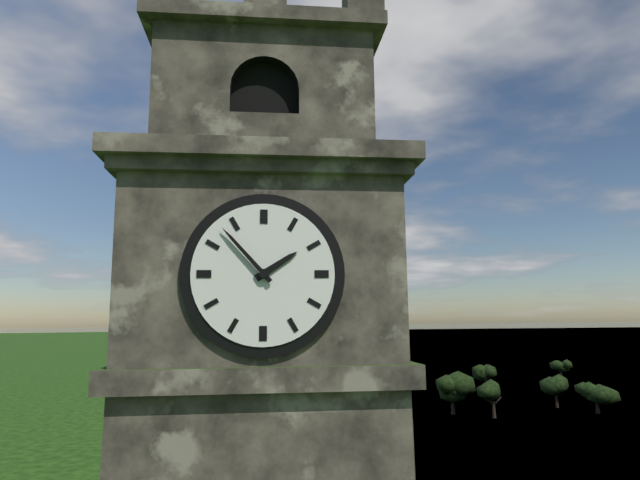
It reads 1h53
